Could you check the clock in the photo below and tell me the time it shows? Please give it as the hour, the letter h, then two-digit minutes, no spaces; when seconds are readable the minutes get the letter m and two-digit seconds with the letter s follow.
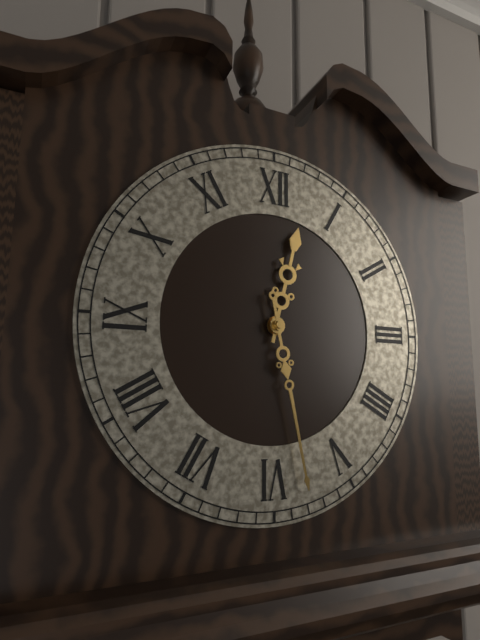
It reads 12h28
